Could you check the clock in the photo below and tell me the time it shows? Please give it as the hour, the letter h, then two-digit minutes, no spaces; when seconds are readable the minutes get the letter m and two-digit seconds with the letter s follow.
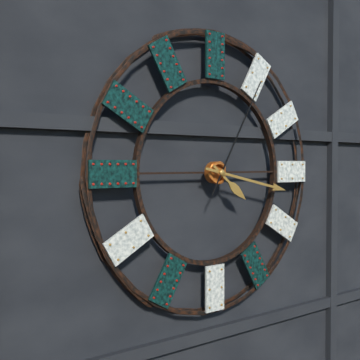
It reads 4h17m05s
